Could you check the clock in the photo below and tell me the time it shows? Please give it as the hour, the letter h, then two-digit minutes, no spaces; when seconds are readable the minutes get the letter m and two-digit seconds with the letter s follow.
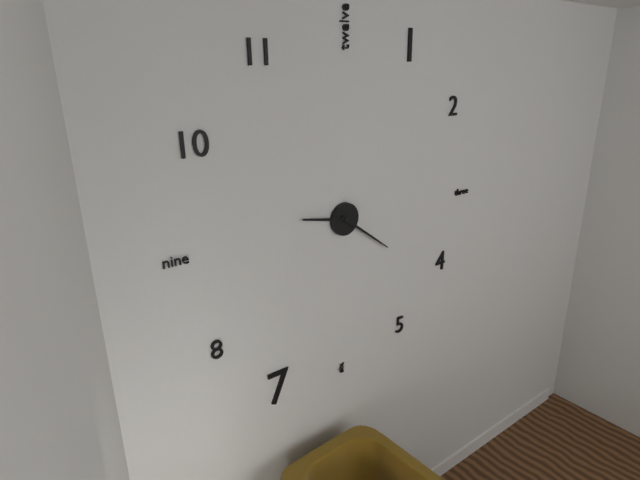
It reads 9h21
